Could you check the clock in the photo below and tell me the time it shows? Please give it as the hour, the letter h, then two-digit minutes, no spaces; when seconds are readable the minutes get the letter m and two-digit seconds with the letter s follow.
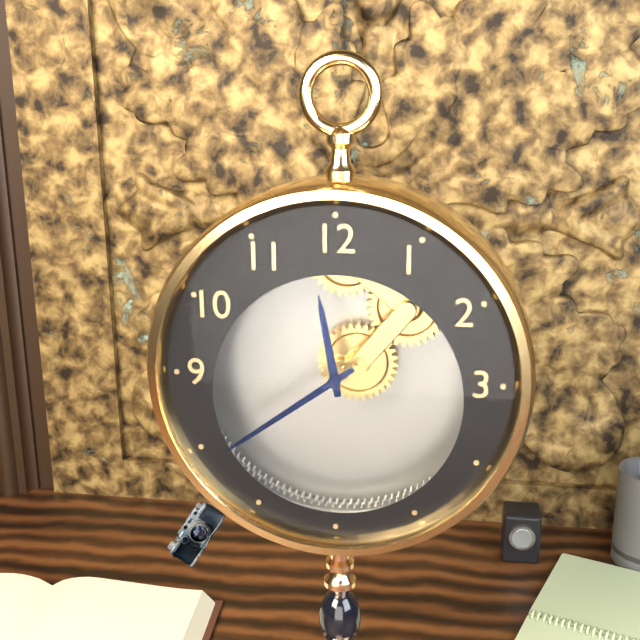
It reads 11h39
